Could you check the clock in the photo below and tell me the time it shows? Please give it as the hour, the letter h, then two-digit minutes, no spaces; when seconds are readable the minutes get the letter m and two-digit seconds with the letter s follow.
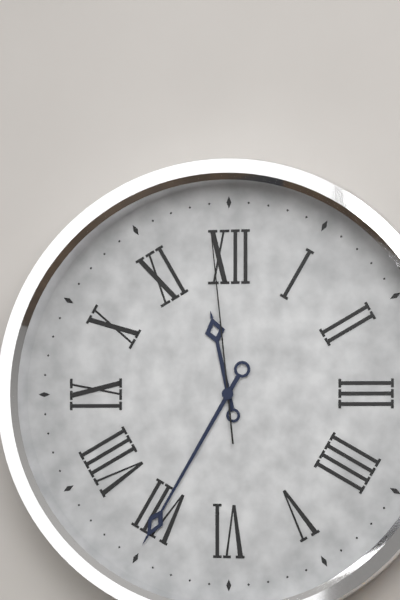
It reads 11h35m59s
